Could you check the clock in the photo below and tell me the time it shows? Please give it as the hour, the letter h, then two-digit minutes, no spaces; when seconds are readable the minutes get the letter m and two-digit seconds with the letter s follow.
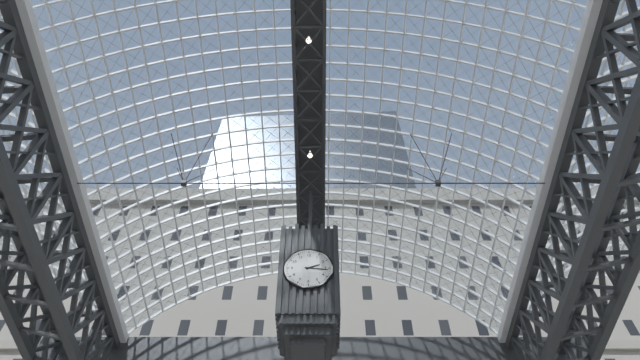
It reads 2h16
